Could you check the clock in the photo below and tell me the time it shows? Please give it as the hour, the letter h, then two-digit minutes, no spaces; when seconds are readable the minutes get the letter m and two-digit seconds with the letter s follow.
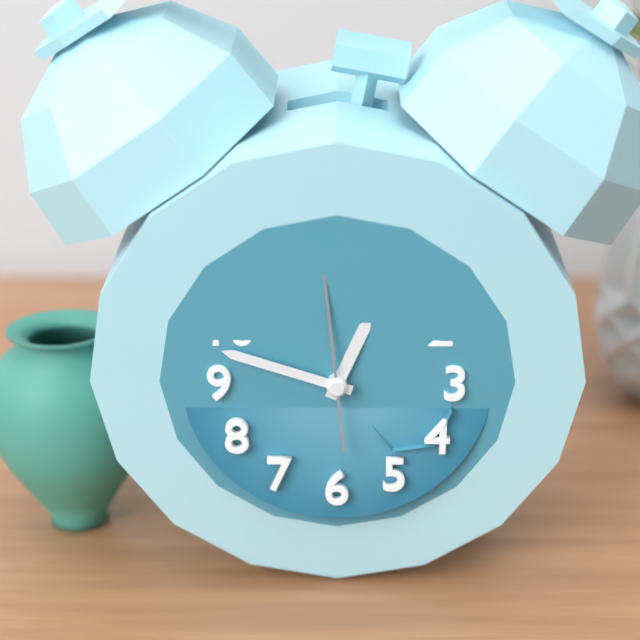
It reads 12h48m59s
